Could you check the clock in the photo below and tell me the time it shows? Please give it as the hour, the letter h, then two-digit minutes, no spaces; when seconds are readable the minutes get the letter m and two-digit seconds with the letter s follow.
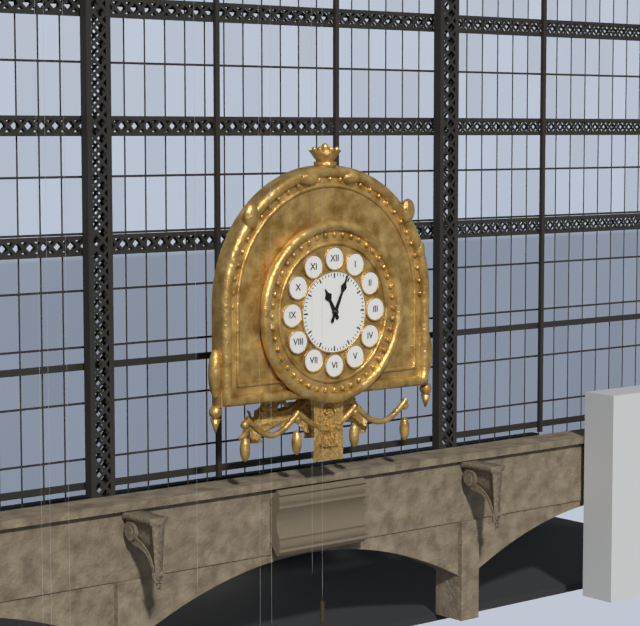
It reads 11h04
